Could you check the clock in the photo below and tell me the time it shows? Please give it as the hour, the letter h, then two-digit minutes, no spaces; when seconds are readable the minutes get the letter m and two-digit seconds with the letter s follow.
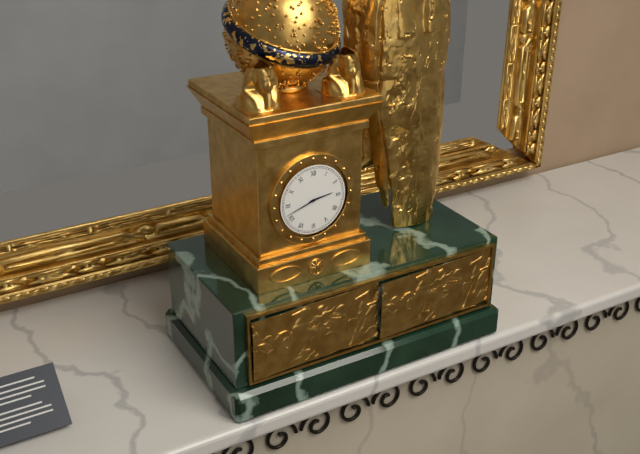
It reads 2h42
